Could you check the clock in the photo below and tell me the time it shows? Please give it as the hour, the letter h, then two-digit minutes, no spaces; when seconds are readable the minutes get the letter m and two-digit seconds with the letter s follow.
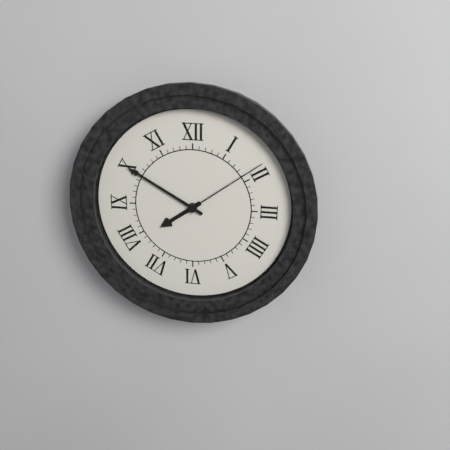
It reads 7h50m09s
